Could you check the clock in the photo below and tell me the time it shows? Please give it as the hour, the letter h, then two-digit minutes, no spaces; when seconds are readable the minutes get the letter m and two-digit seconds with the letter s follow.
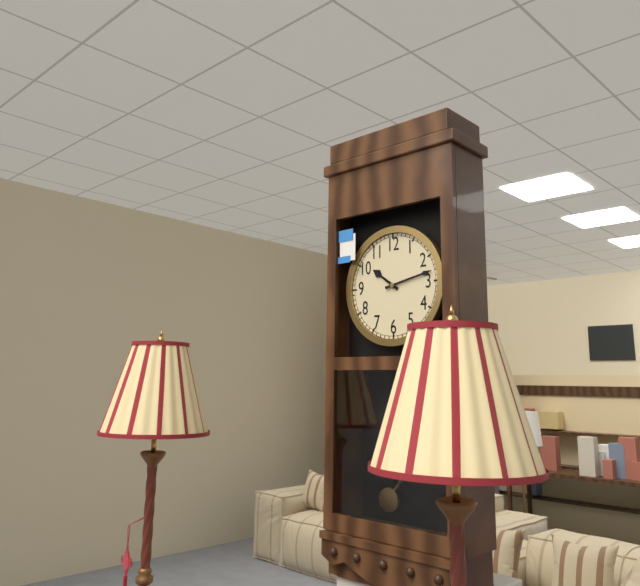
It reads 10h13
